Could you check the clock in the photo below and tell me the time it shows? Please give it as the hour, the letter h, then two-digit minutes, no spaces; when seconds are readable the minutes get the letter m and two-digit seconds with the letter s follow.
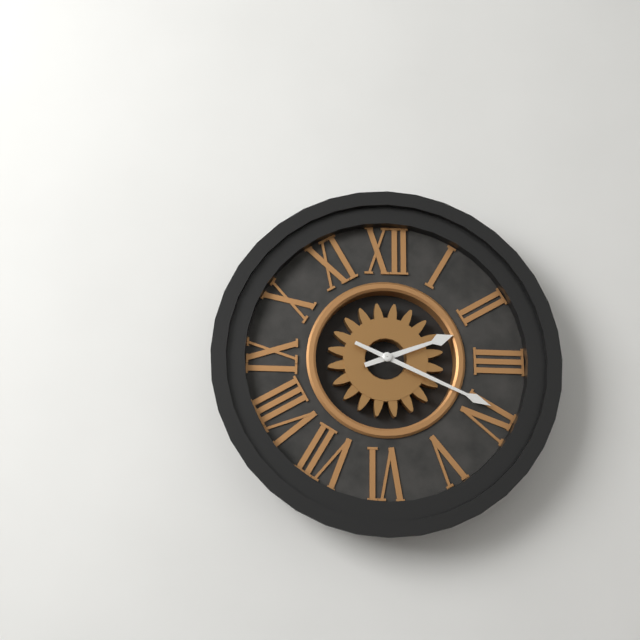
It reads 2h19
